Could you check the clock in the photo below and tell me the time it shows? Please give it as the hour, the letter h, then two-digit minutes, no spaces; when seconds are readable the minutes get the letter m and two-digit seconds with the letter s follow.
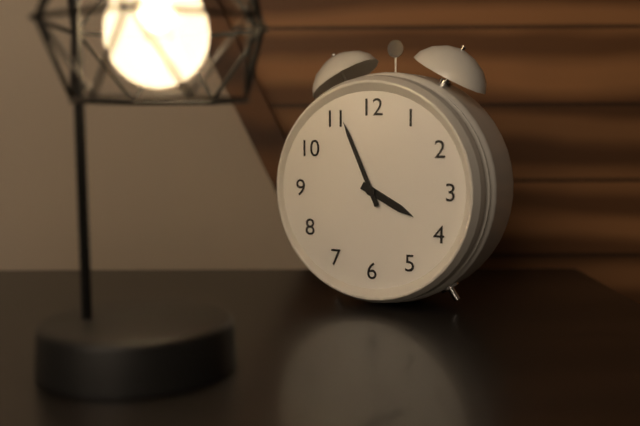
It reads 3h56
